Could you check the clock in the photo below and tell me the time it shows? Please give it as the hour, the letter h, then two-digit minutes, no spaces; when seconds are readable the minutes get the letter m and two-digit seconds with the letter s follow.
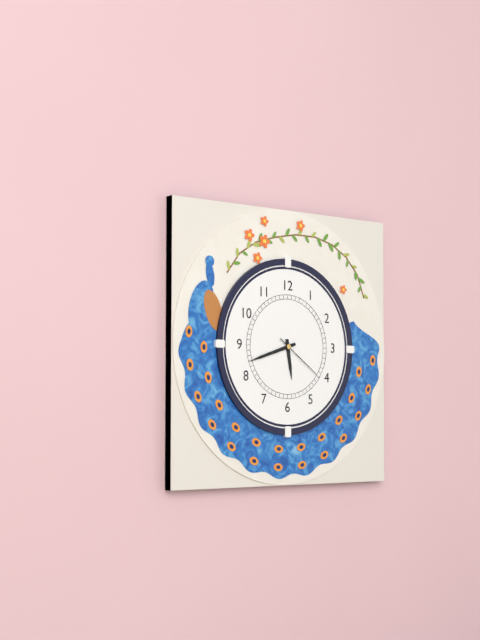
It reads 5h42
